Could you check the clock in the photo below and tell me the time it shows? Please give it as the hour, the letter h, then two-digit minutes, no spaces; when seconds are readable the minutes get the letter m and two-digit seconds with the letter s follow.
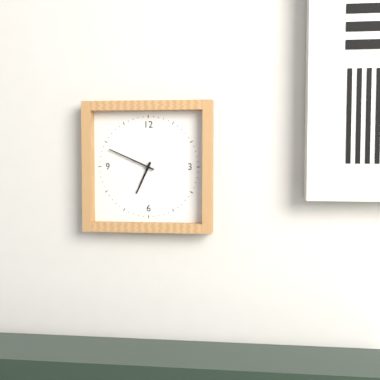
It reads 6h49
